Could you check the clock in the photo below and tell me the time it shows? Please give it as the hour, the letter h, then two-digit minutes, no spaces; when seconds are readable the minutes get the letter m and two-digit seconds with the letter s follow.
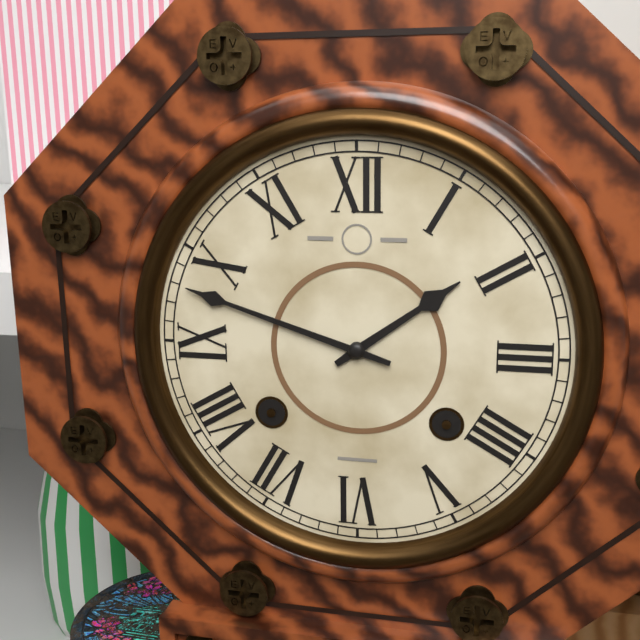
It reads 1h48
